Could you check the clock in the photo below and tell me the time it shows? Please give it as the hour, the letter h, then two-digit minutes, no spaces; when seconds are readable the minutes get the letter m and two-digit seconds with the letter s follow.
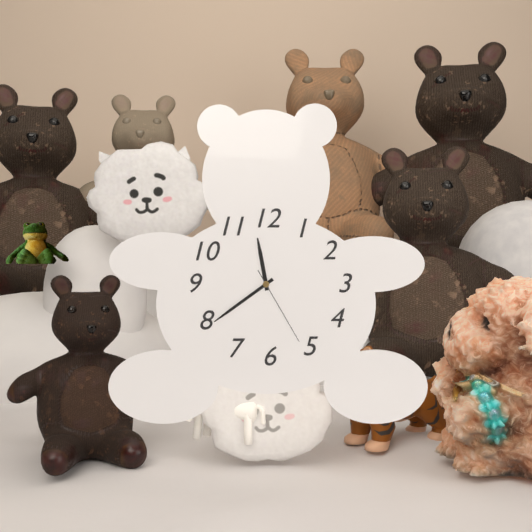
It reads 11h39m25s
